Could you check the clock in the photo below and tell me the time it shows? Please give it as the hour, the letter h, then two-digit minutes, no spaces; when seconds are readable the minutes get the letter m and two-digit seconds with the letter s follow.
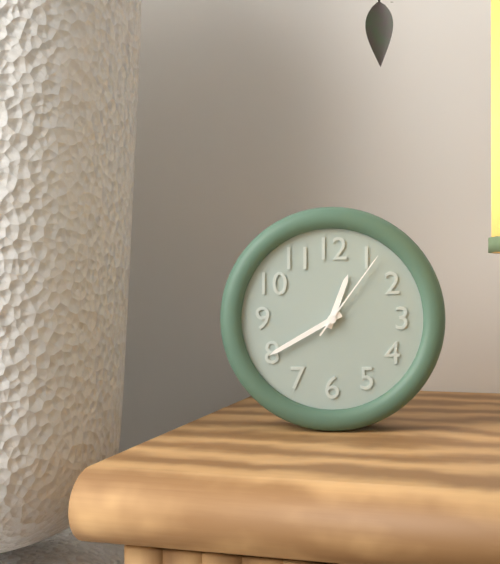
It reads 12h40m06s
